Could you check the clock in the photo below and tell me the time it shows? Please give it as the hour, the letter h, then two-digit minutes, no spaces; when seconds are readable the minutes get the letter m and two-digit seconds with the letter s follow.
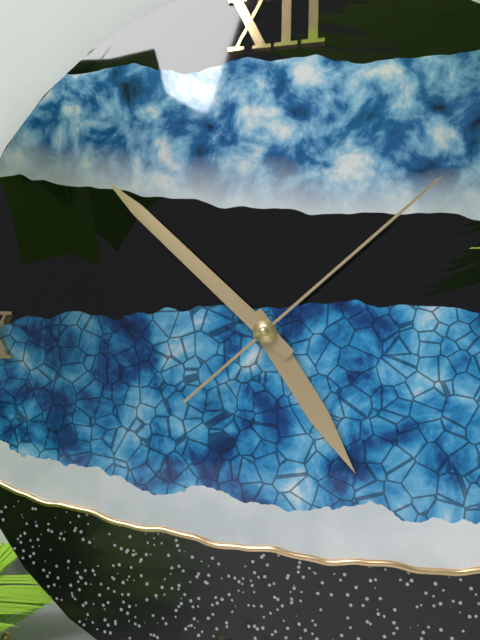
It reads 4h52m08s
